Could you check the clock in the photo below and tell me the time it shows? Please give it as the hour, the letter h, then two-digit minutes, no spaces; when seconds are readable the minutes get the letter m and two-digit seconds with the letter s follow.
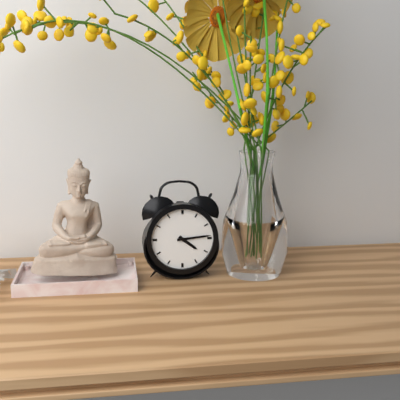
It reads 4h14
